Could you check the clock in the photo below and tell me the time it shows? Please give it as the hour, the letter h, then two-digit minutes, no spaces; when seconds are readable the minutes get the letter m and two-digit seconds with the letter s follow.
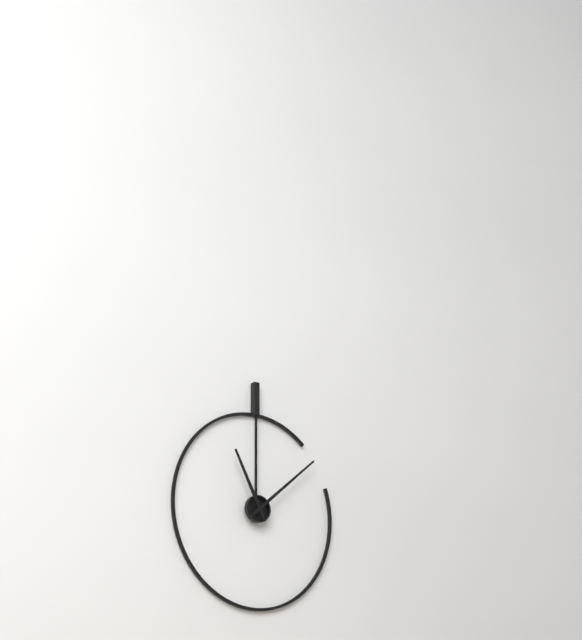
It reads 11h08
